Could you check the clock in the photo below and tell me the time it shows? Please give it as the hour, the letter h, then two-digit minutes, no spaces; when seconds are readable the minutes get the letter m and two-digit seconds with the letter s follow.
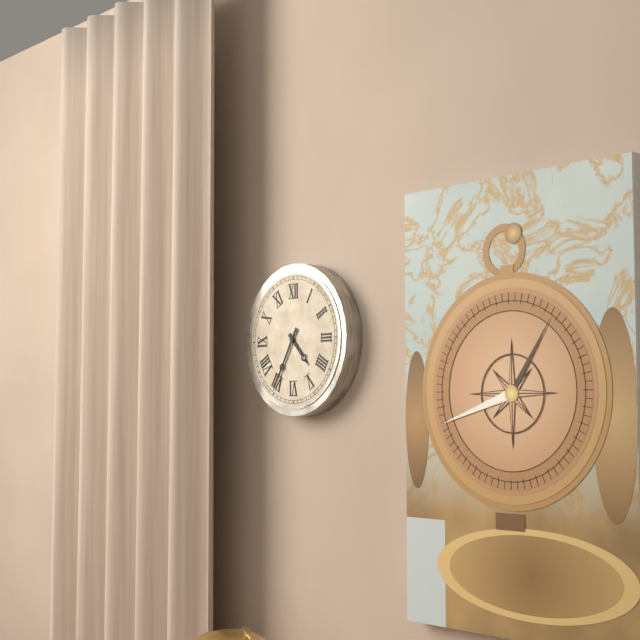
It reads 4h35
